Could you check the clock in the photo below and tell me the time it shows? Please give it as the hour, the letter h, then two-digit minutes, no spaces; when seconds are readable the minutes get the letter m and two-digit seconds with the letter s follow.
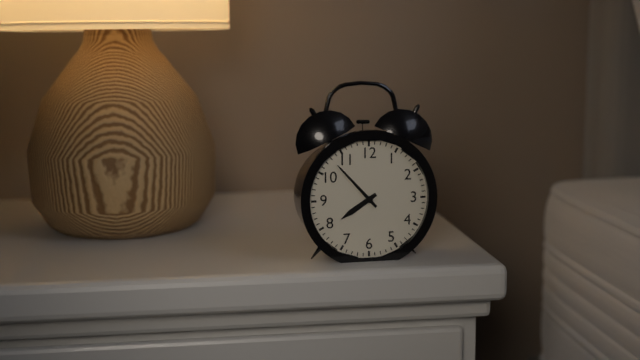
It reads 7h53
